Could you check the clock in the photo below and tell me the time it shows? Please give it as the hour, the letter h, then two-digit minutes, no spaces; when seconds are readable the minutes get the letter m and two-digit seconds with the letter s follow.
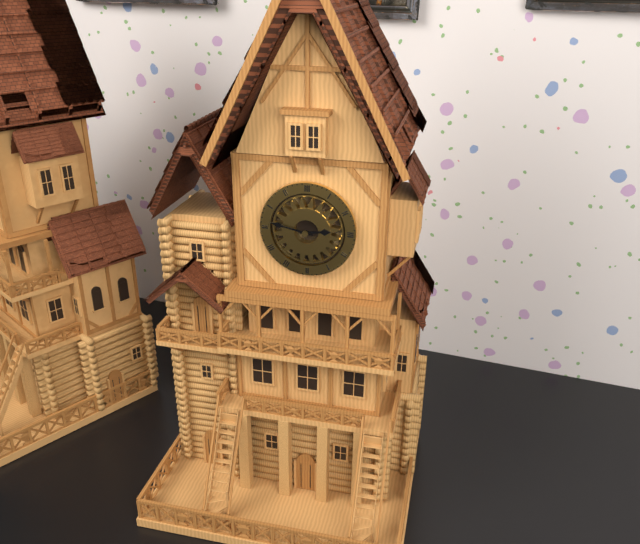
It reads 2h47
